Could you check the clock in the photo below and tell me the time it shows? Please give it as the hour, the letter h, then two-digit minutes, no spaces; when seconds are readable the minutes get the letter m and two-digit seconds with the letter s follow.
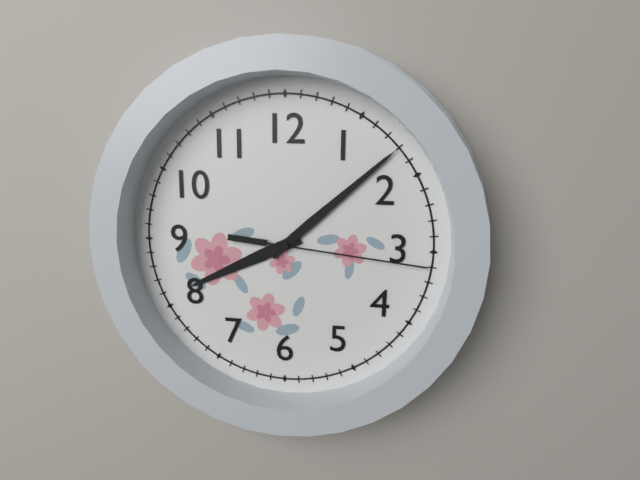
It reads 8h08m16s
